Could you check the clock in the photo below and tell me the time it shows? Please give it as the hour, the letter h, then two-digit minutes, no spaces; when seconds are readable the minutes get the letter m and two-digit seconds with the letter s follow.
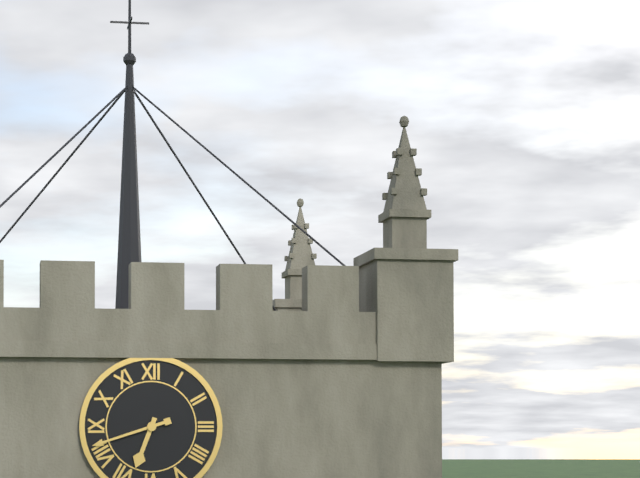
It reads 6h42
